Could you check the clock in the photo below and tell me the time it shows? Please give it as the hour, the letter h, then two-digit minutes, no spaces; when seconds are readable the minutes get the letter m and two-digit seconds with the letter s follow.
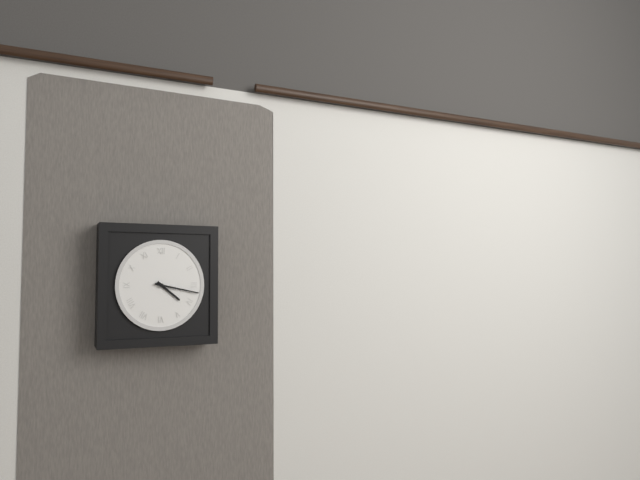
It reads 4h17
